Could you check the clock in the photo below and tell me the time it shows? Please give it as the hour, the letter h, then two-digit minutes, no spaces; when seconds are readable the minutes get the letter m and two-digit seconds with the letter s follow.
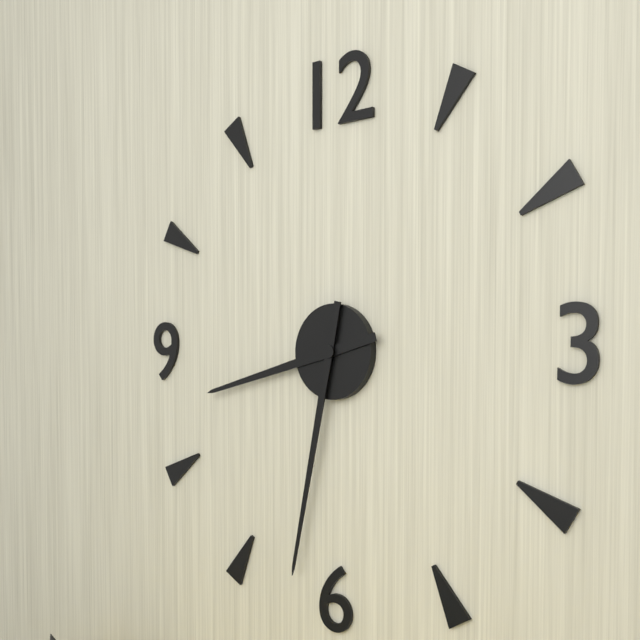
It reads 8h32
